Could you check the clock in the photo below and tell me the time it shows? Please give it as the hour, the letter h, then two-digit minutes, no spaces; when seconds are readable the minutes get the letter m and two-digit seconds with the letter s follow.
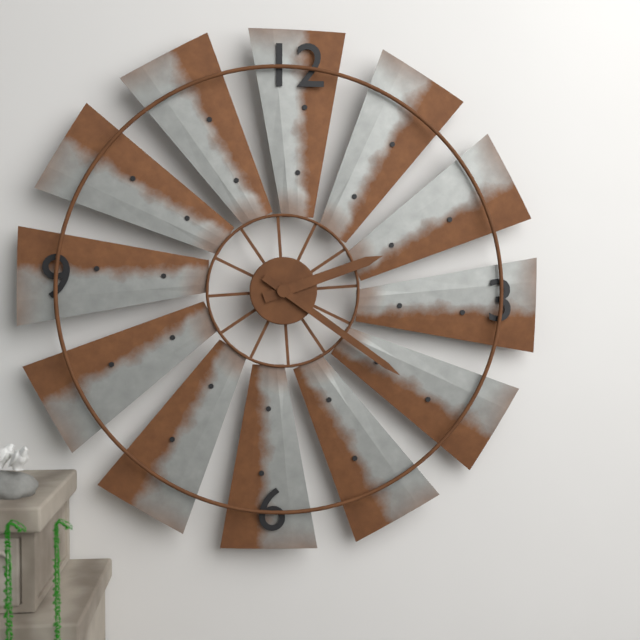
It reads 2h21
